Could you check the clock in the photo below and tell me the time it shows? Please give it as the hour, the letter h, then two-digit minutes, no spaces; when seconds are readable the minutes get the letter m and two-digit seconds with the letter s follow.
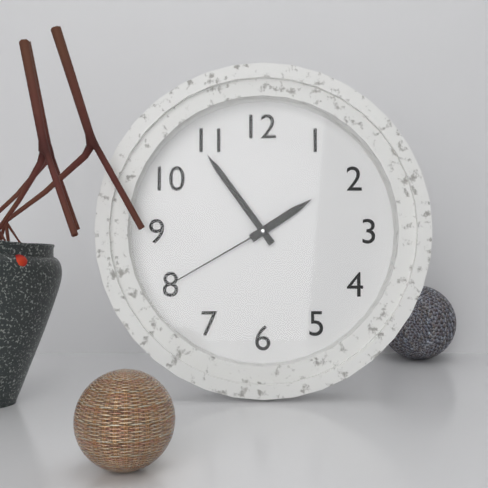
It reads 1h54m40s
